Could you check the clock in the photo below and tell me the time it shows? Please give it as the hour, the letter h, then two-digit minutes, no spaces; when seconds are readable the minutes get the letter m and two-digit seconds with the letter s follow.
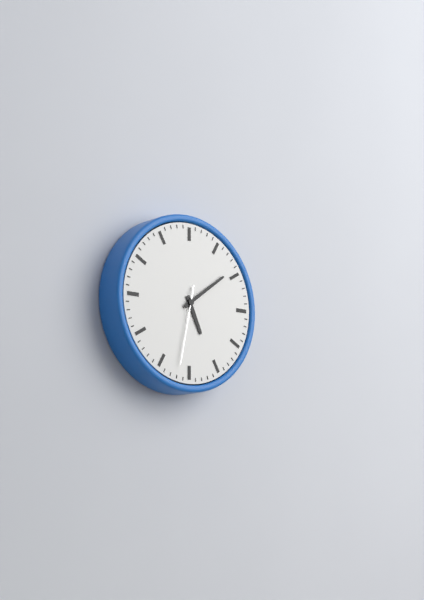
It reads 5h09m32s
